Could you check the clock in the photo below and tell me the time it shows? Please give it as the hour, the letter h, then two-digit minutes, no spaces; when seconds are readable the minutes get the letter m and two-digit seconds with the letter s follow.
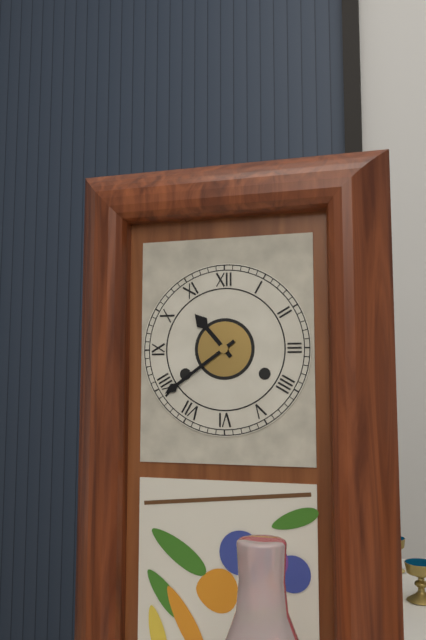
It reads 10h39
